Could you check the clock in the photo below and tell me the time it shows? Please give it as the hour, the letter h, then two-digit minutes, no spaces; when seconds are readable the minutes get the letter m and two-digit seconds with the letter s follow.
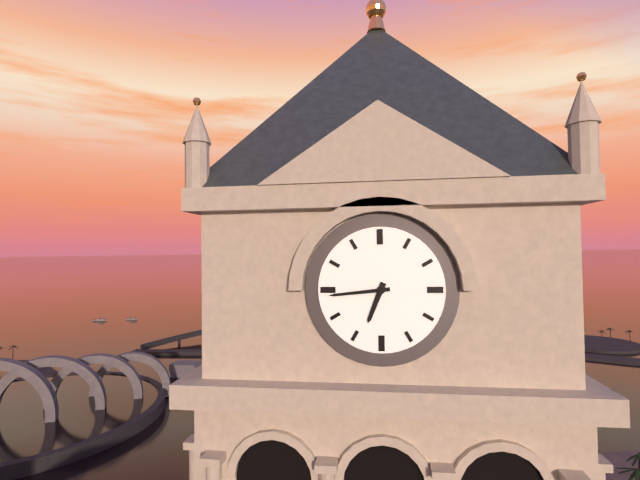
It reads 6h44
